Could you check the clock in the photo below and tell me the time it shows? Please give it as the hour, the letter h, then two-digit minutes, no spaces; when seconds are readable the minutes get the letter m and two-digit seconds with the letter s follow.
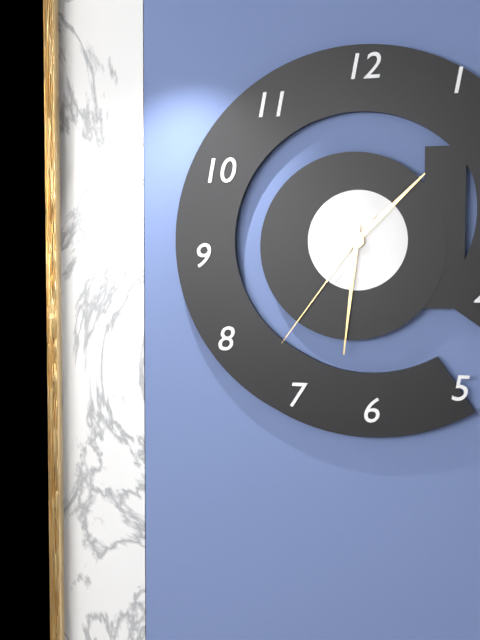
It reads 1h31m36s
